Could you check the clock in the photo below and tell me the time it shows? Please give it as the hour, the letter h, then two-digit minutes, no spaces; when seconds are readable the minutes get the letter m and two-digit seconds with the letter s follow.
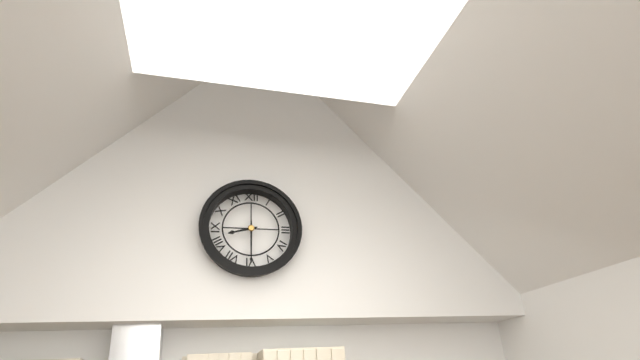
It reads 8h30
